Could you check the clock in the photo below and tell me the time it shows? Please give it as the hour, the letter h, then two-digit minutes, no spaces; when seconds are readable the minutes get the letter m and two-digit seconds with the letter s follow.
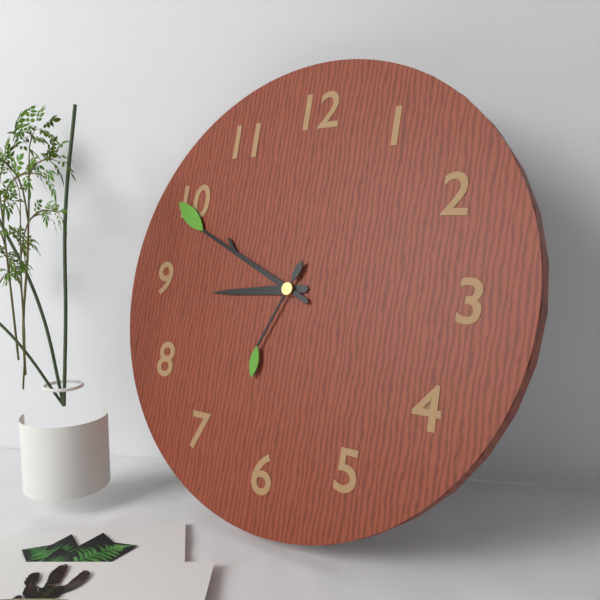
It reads 8h49m34s
